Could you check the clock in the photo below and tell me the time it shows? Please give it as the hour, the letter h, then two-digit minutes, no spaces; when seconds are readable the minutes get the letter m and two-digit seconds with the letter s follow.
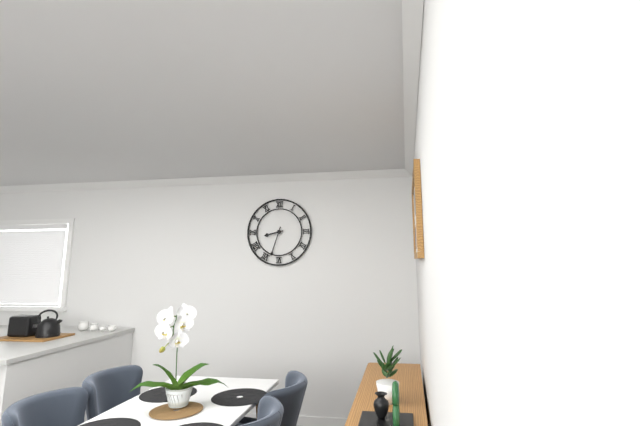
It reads 8h33
